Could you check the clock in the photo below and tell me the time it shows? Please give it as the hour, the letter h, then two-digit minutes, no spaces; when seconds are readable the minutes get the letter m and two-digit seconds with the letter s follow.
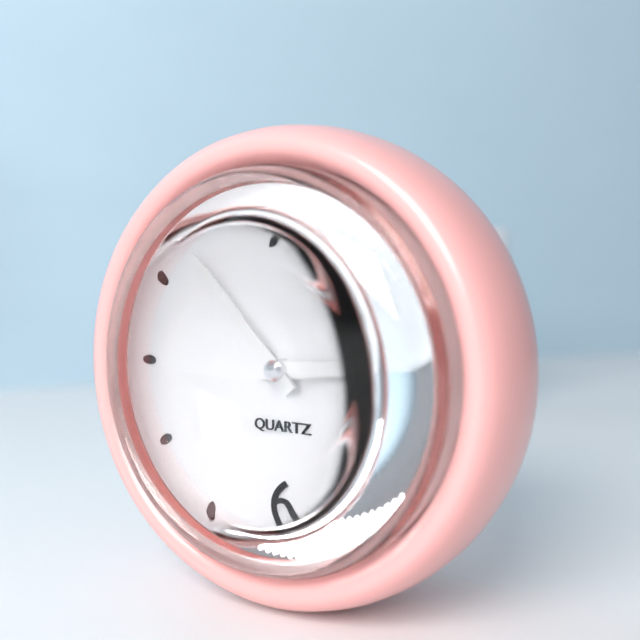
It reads 2h53
